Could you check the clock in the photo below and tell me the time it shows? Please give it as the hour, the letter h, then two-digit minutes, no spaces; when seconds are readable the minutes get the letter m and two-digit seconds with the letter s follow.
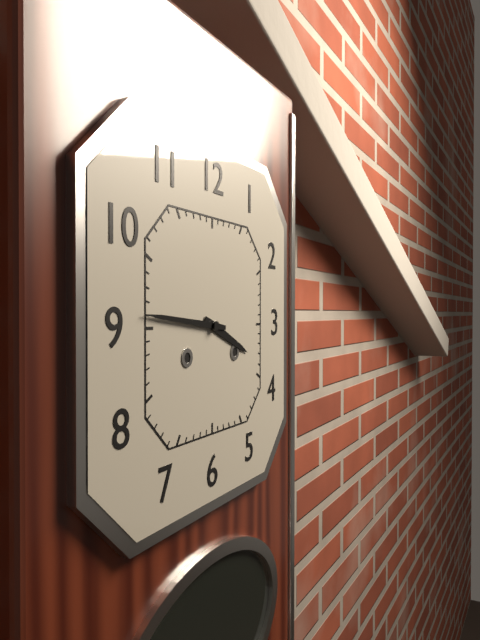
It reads 3h46
